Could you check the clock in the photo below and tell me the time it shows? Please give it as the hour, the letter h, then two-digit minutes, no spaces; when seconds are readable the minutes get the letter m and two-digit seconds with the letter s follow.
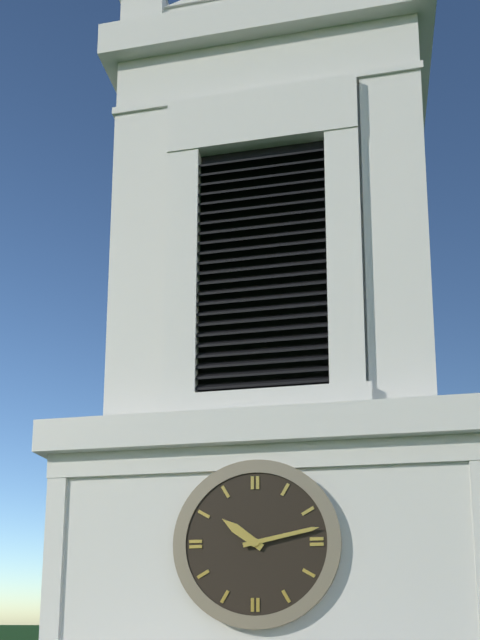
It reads 10h13
